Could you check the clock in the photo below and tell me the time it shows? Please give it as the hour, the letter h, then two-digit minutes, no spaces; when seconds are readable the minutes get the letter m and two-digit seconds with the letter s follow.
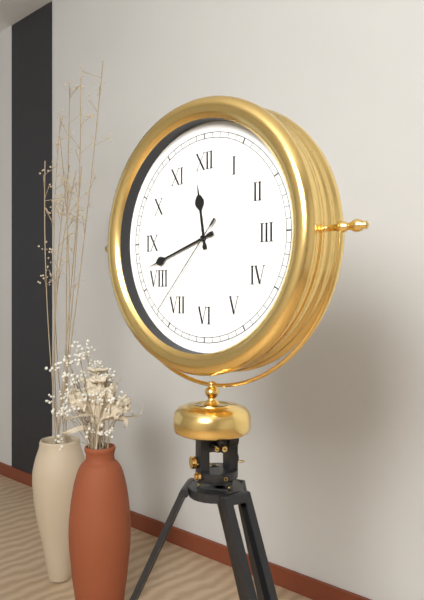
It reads 11h42m37s
